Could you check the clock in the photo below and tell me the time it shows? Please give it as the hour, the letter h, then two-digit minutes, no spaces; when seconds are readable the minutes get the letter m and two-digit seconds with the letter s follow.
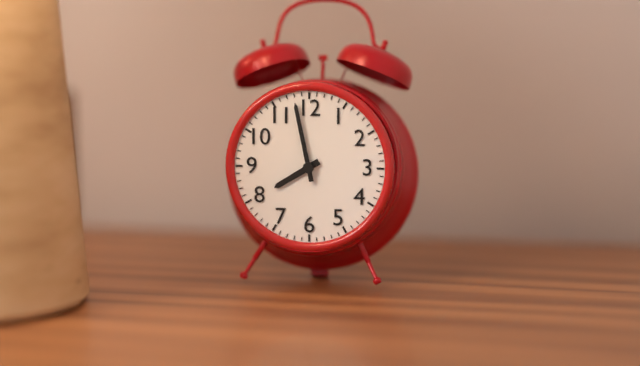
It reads 7h58
